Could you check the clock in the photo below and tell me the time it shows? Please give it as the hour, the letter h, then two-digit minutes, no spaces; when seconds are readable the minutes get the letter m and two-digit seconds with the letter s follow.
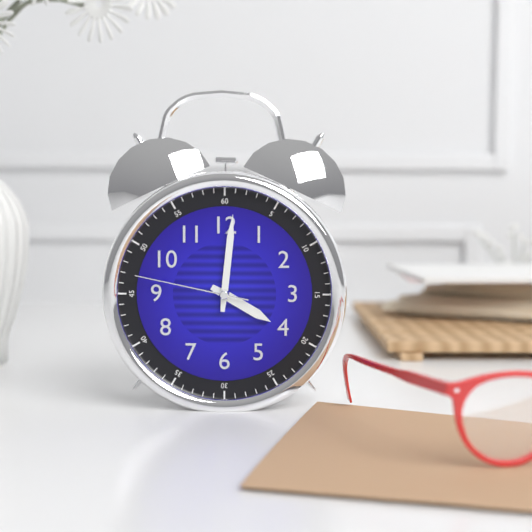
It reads 4h01m47s
